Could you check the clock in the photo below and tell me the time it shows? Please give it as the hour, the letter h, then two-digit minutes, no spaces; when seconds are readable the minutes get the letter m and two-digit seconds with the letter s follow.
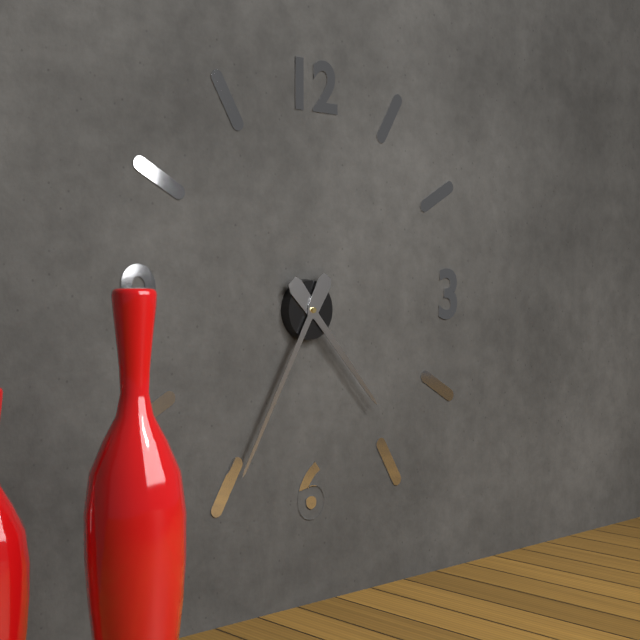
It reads 4h35
